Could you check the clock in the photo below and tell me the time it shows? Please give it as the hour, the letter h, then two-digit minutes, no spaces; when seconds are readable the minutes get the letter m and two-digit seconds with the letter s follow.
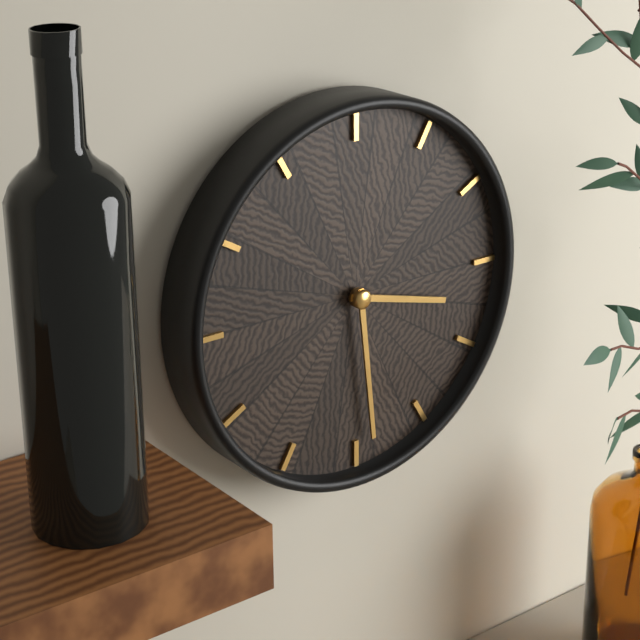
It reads 3h29
